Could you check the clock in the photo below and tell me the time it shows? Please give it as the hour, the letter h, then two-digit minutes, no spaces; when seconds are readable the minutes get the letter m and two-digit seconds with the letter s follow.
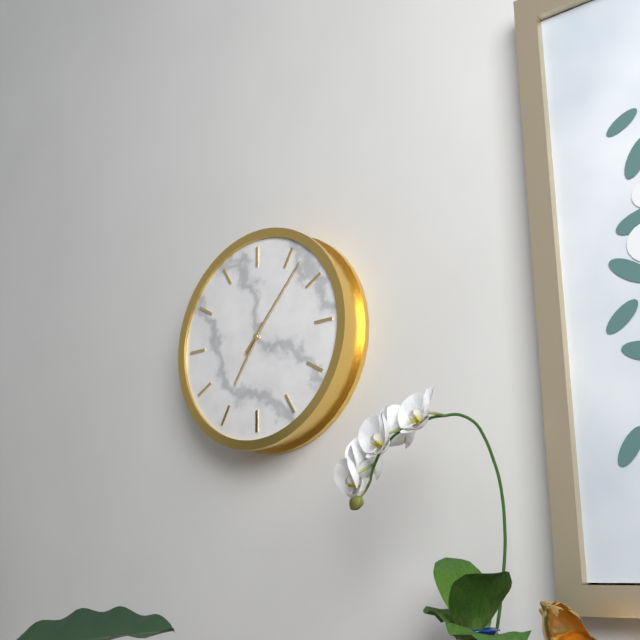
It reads 7h07
